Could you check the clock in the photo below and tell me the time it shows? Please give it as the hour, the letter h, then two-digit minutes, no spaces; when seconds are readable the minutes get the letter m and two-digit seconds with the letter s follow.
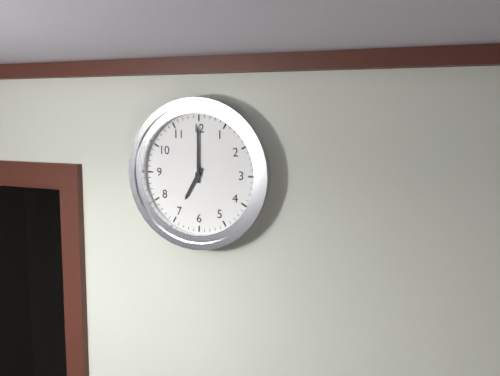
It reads 7h00
